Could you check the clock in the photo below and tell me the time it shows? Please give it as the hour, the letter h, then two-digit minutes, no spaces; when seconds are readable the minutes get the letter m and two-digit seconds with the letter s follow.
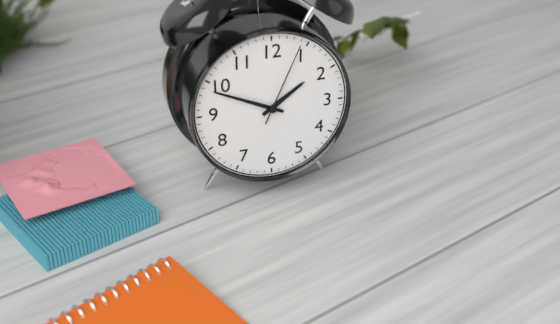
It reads 1h49m04s
